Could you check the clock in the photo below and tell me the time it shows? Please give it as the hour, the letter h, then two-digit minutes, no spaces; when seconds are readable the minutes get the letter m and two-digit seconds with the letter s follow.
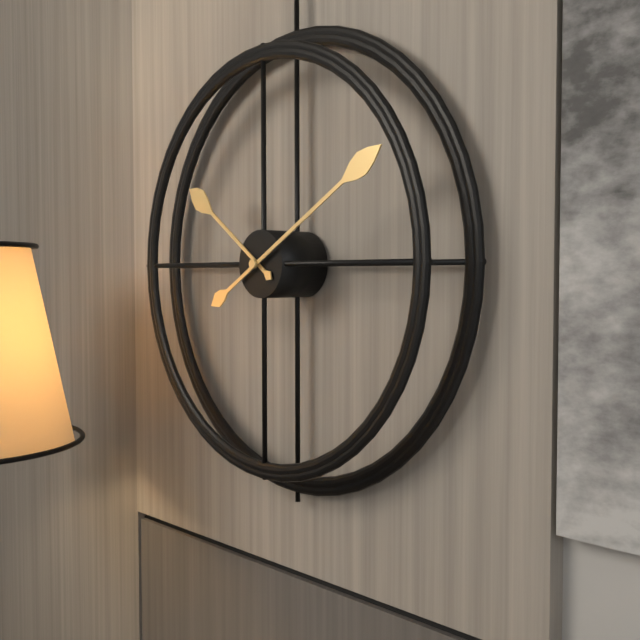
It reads 10h10
